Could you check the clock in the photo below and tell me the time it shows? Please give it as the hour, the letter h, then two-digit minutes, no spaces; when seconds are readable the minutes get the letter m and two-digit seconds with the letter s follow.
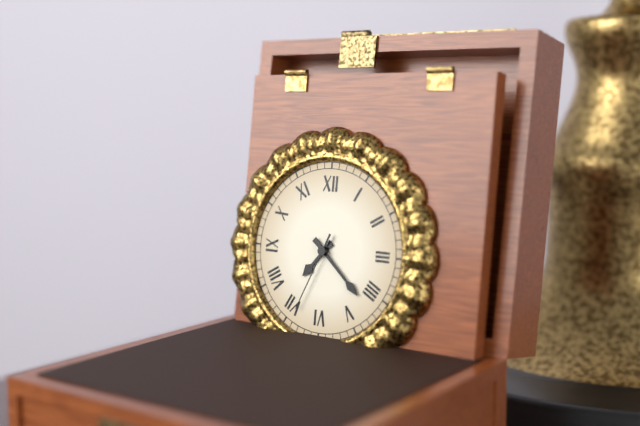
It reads 7h22m34s
